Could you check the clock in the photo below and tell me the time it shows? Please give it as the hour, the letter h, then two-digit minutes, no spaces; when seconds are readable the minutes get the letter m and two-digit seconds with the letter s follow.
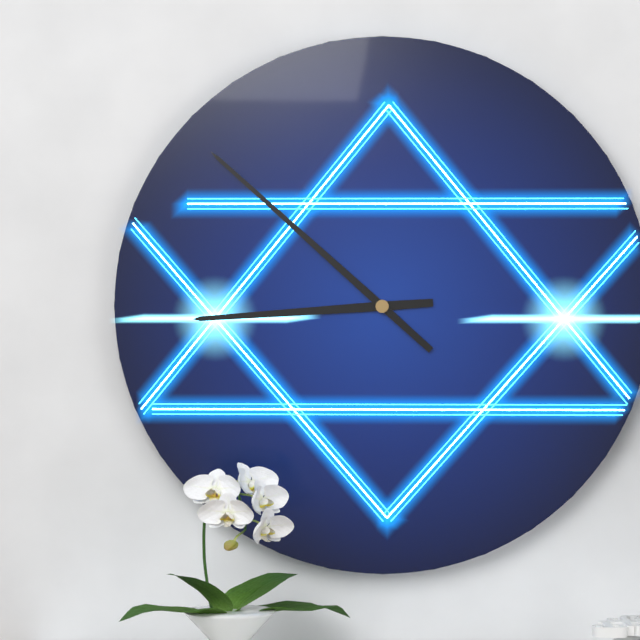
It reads 8h52
